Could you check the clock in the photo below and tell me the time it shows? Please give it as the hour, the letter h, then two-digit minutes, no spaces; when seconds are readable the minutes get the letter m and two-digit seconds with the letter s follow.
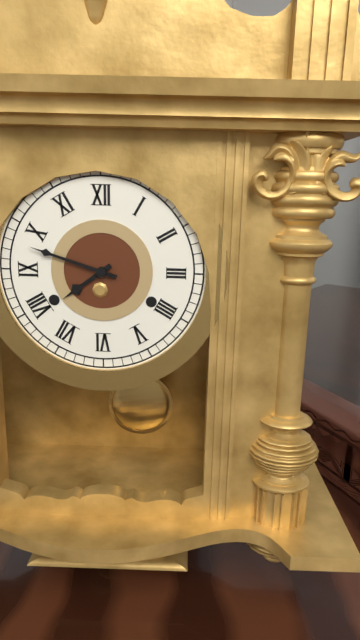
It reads 7h48
